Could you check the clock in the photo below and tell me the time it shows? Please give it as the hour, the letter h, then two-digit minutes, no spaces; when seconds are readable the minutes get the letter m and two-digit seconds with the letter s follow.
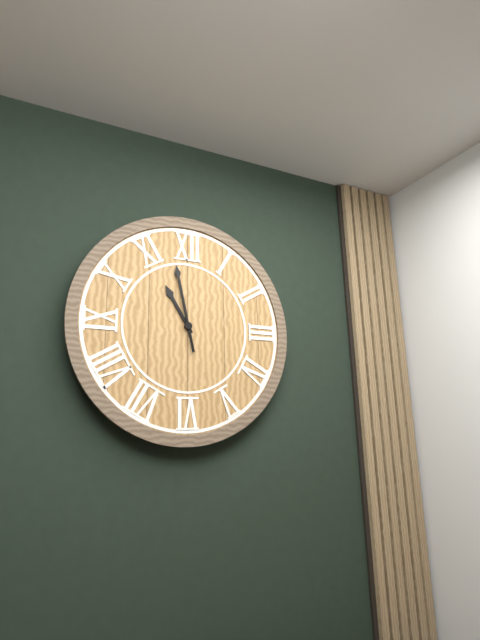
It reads 10h58
